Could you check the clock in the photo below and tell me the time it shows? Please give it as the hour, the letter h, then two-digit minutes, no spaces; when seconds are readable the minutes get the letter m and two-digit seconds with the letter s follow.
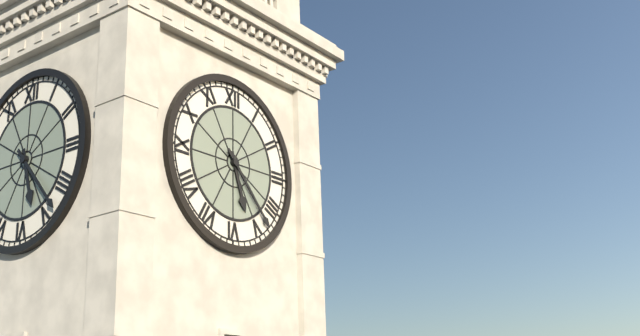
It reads 5h23
